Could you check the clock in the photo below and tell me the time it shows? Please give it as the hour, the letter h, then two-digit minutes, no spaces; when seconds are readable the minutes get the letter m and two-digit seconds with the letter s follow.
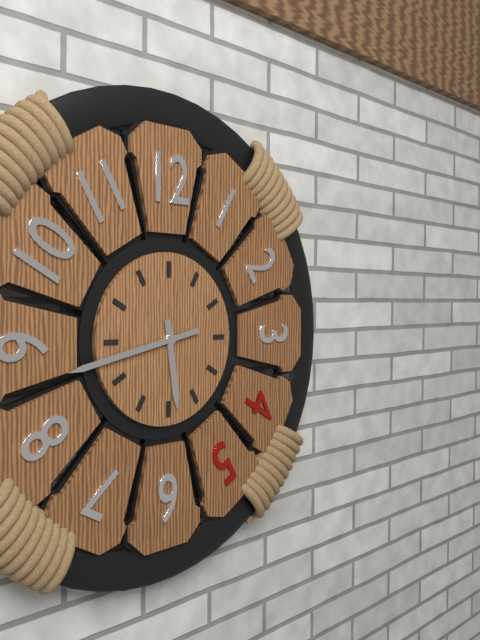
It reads 5h43
